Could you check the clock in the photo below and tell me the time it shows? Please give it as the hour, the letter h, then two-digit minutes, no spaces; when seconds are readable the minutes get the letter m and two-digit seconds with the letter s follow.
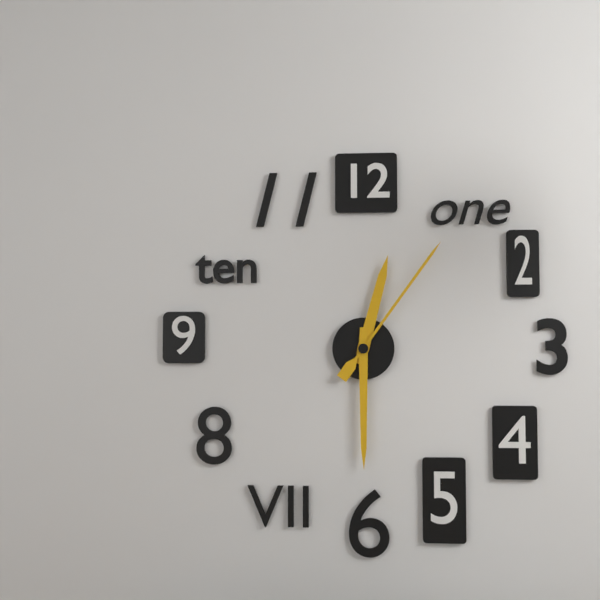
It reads 12h30m06s
